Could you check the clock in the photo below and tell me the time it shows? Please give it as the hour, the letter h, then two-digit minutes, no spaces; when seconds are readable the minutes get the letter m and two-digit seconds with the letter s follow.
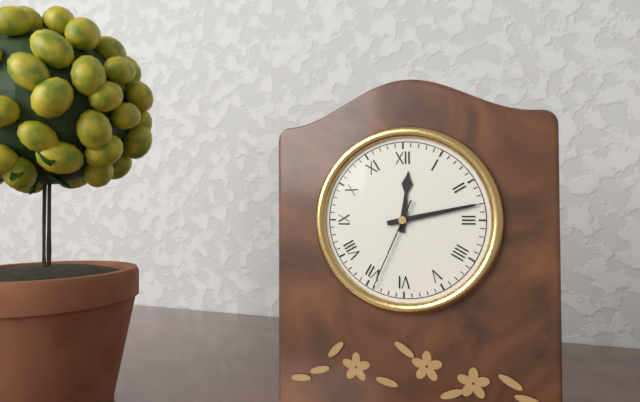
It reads 12h13m34s
